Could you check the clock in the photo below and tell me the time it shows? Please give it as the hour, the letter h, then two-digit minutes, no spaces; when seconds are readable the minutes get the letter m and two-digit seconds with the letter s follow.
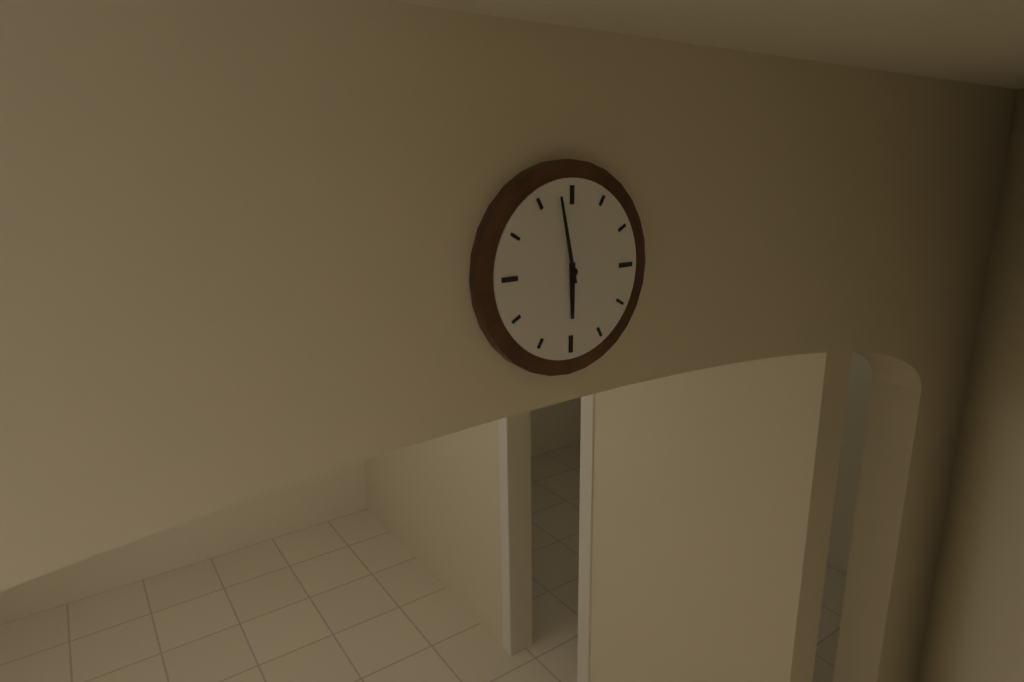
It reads 5h58
